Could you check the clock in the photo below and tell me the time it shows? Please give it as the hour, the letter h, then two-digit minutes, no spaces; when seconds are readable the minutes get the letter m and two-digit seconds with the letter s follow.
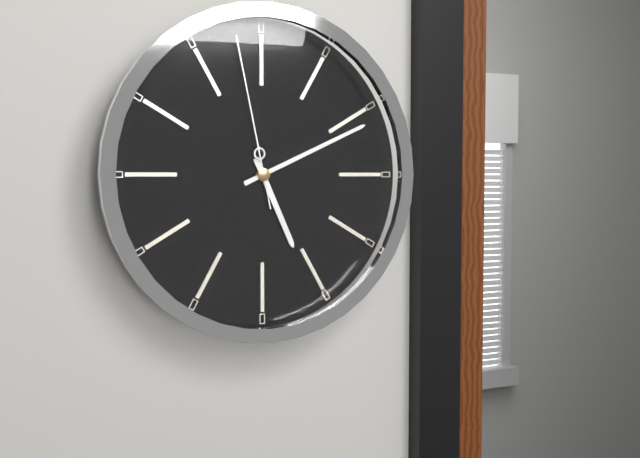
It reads 5h11m58s
